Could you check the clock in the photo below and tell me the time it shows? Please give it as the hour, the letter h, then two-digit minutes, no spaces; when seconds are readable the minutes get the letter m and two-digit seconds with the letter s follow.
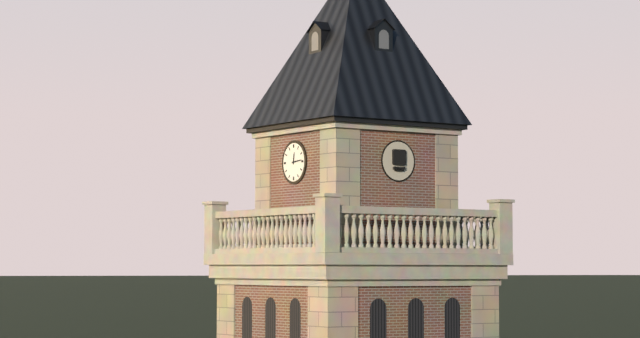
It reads 12h14
